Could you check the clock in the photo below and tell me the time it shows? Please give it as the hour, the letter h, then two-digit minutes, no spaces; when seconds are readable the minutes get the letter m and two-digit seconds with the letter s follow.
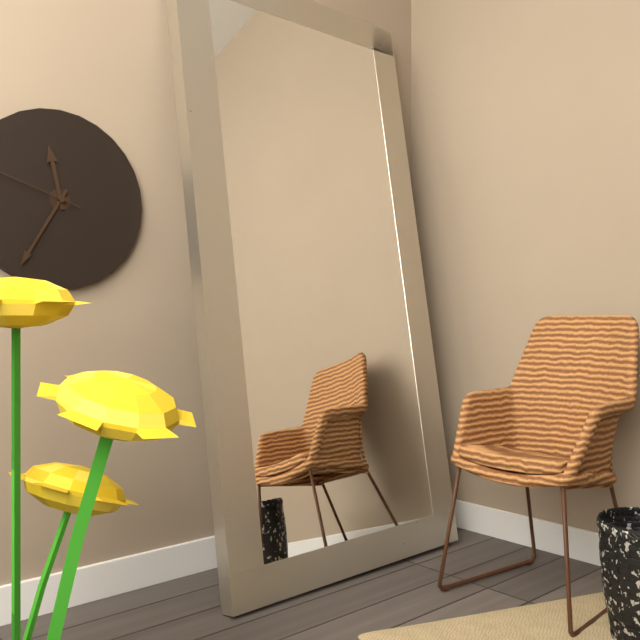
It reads 11h35
